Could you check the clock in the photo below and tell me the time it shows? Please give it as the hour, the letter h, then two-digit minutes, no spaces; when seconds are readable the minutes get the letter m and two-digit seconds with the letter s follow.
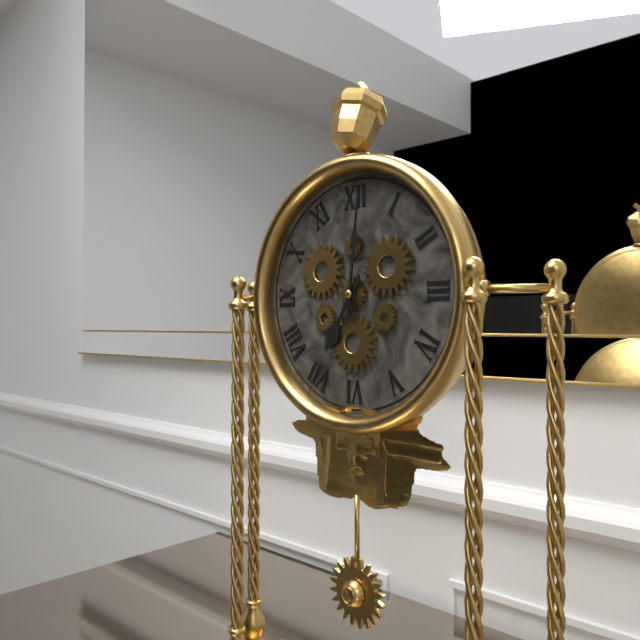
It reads 7h01
